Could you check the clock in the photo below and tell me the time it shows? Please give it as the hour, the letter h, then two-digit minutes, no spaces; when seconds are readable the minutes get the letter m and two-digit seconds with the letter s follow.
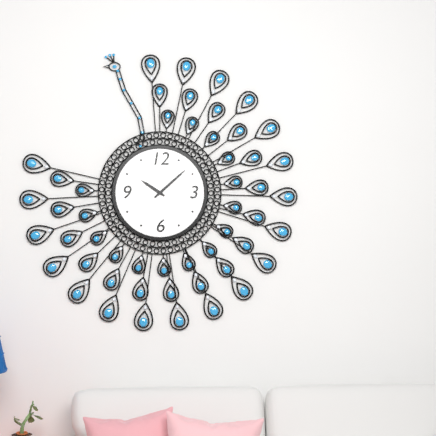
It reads 10h08
